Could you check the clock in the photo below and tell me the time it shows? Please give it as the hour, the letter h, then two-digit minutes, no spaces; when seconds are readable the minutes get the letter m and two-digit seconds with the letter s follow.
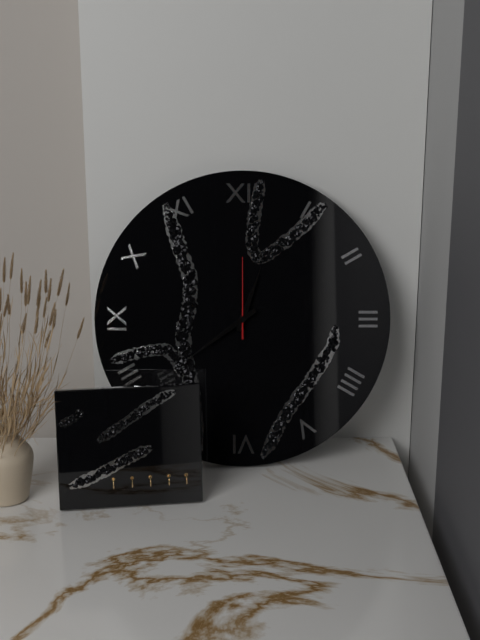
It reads 12h39m00s
